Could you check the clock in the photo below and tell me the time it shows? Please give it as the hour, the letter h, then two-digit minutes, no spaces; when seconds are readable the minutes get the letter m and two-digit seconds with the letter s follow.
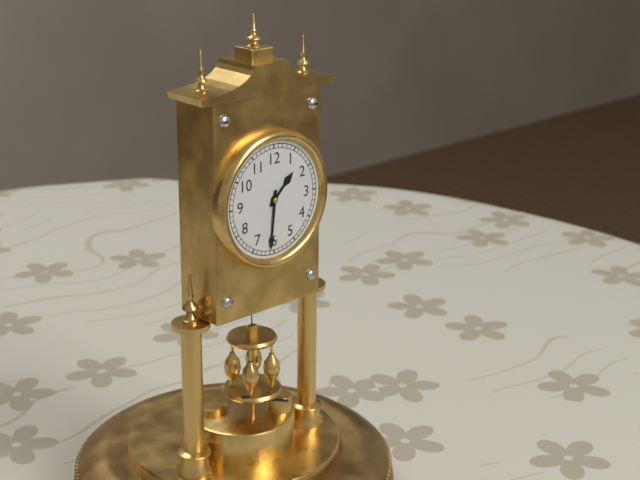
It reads 1h31
